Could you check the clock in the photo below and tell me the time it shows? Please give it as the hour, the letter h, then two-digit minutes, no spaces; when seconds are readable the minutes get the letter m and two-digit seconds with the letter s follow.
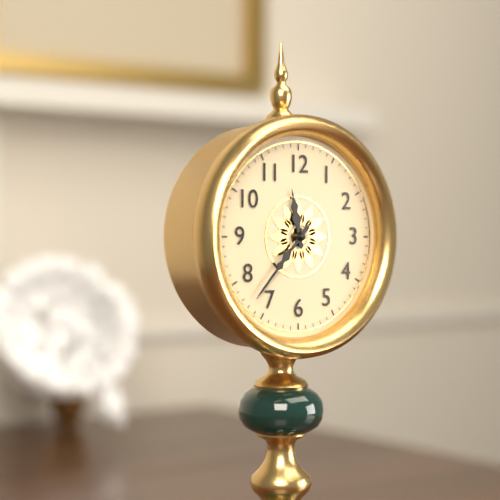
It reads 11h37
